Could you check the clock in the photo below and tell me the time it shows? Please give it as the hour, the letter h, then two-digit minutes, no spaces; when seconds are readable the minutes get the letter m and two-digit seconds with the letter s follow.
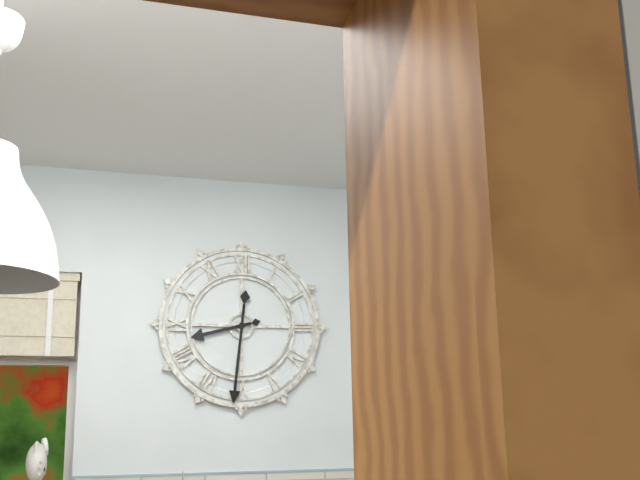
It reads 8h31
